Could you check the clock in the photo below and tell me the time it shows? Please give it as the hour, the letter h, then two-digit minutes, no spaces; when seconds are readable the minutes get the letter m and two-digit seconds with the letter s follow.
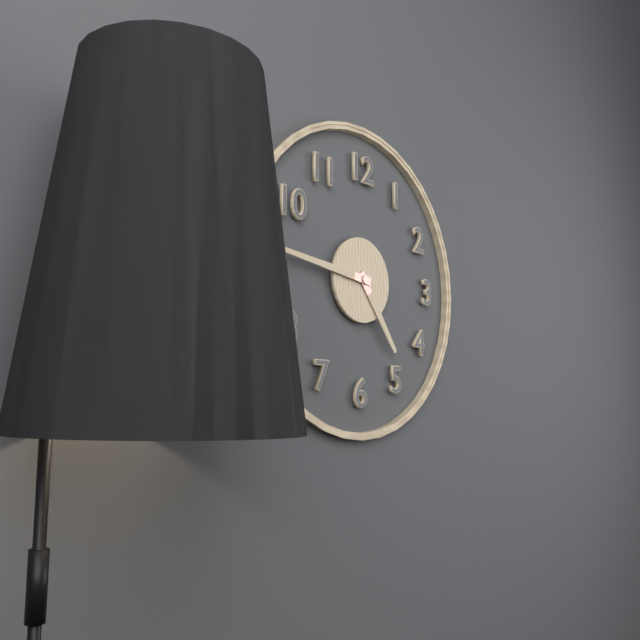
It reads 4h46
